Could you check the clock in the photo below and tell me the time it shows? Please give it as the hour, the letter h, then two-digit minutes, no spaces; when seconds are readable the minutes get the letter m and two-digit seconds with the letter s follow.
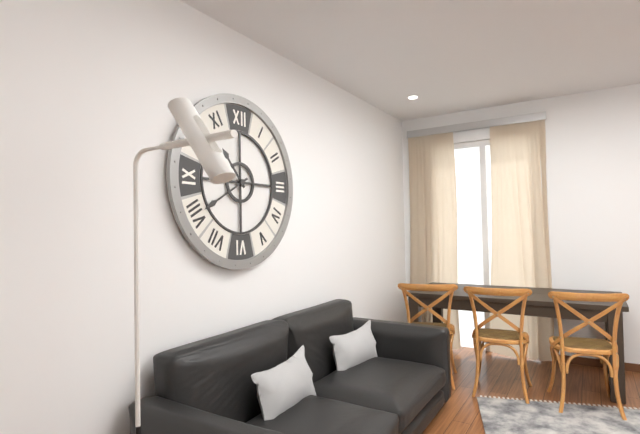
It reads 10h40
